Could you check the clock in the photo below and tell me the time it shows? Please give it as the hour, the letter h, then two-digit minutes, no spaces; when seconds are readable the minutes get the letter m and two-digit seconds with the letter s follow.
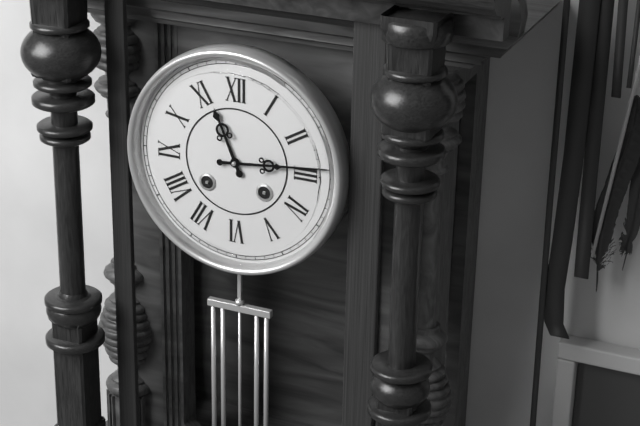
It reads 11h14
